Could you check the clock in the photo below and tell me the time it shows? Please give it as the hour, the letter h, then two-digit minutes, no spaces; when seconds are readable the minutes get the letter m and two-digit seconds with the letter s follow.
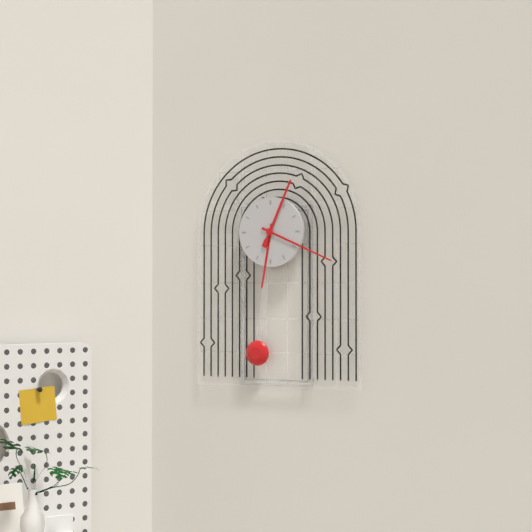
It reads 6h19m04s
